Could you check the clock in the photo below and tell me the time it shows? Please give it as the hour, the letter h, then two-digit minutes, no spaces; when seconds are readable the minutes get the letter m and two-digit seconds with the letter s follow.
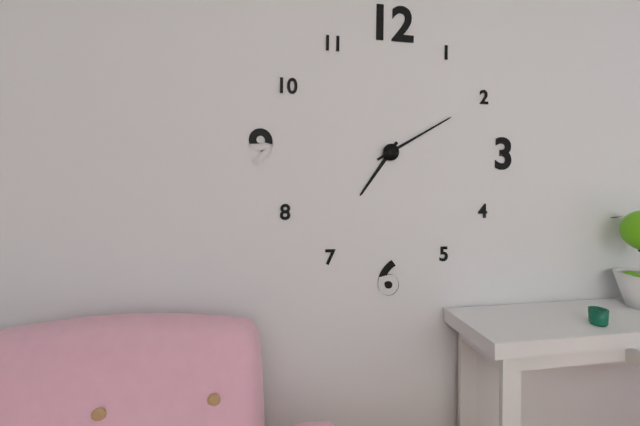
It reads 7h10
